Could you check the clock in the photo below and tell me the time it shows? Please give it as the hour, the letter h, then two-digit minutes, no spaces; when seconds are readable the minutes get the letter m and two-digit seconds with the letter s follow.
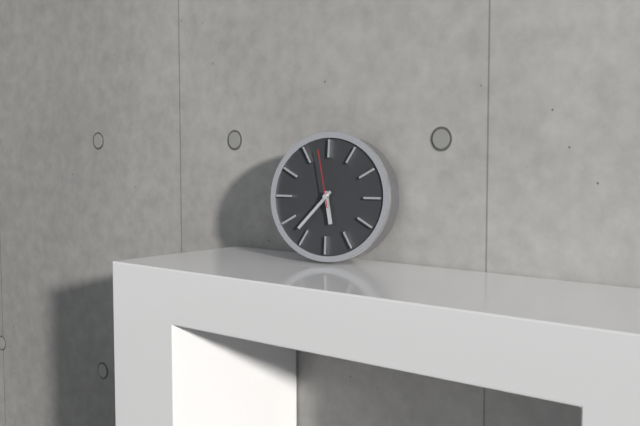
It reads 5h37m58s
